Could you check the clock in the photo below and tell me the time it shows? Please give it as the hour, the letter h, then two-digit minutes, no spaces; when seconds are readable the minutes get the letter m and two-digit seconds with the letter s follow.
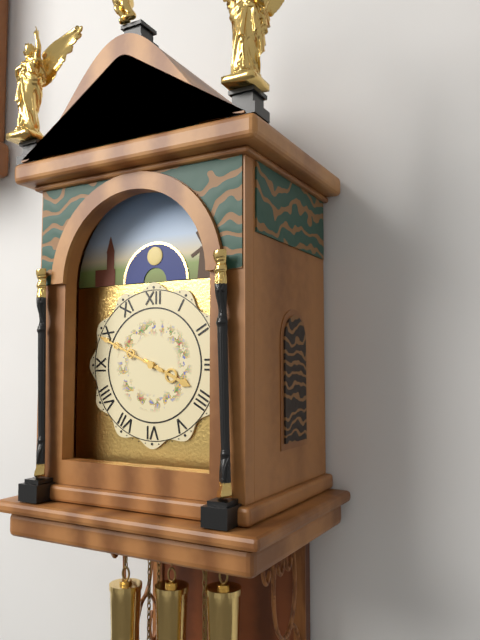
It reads 3h49
